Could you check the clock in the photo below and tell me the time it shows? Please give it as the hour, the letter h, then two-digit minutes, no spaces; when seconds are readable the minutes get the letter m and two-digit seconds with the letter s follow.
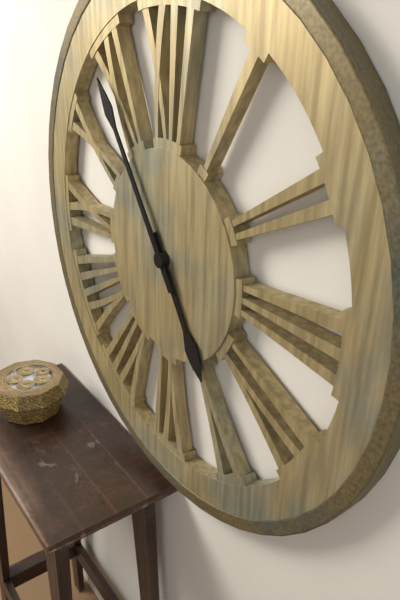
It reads 4h54
